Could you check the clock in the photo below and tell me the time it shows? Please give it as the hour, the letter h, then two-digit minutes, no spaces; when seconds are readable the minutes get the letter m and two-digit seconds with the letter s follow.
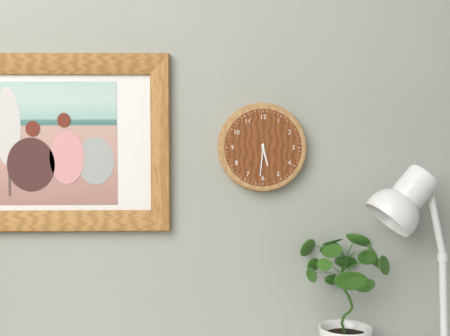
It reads 5h31
